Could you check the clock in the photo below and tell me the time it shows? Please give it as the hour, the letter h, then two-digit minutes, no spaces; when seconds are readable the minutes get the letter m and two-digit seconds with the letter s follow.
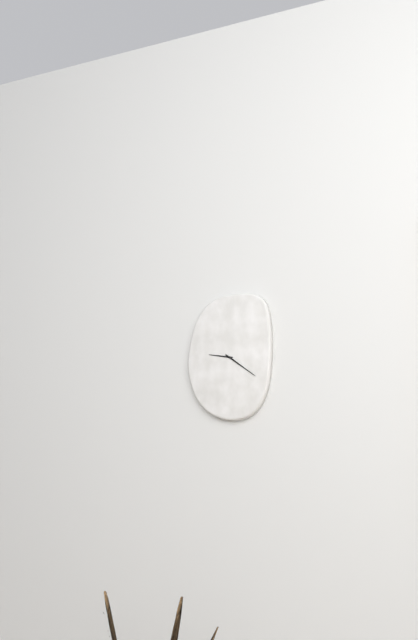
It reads 9h21
